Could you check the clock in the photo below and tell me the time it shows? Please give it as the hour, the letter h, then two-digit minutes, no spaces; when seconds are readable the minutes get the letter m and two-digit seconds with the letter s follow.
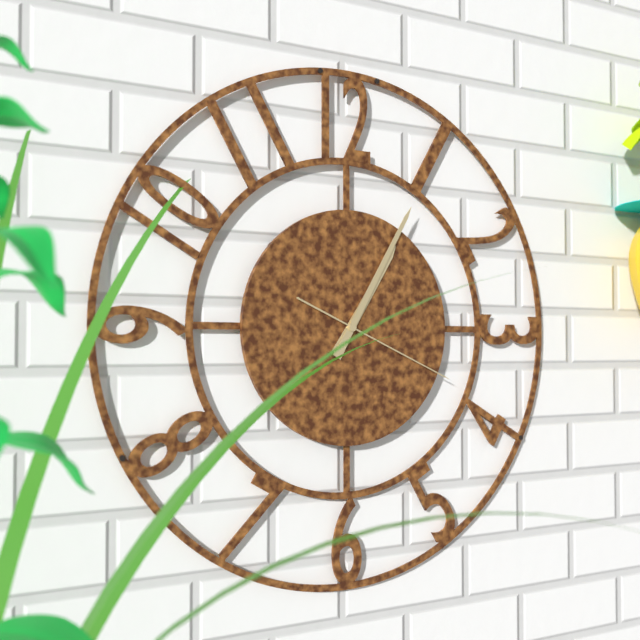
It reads 1h05m19s
